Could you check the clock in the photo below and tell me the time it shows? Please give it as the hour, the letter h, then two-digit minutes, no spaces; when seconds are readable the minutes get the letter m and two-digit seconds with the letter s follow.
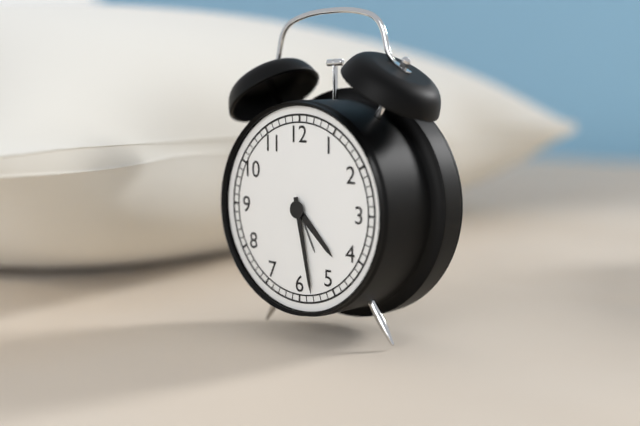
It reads 4h28
